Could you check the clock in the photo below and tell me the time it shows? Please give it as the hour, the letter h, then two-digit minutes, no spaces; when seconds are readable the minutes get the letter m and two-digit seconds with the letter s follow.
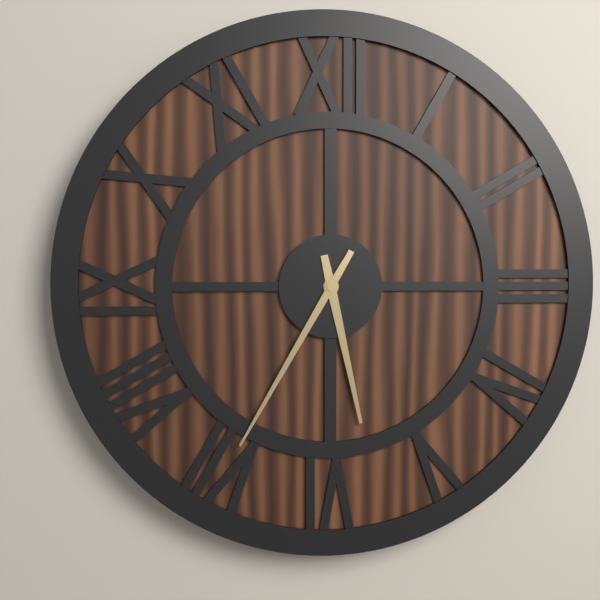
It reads 5h35
